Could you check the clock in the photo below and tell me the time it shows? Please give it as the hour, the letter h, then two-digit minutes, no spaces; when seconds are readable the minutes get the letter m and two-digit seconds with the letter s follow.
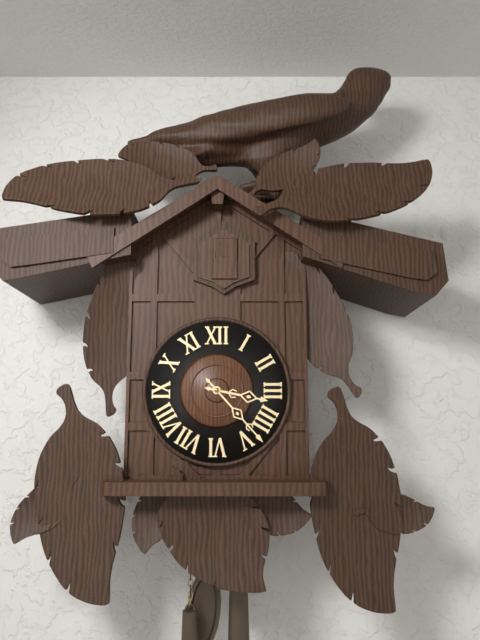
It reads 3h23
